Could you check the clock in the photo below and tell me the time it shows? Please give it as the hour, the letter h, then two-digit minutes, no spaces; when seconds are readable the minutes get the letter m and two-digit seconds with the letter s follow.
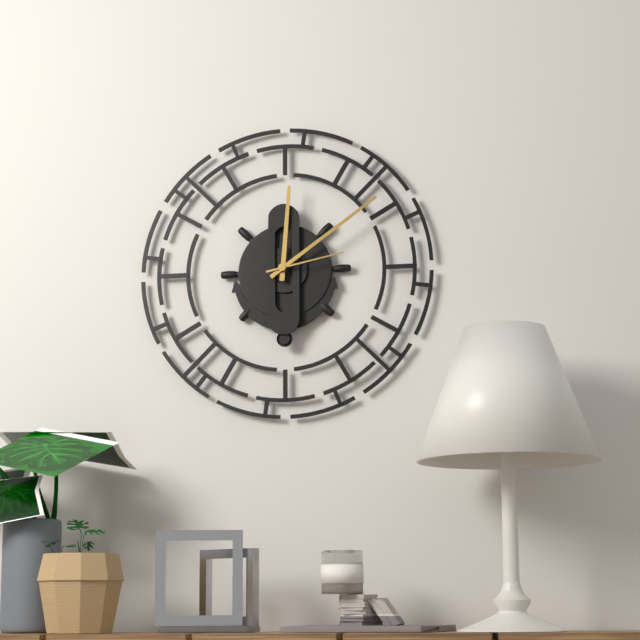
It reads 12h09m13s
